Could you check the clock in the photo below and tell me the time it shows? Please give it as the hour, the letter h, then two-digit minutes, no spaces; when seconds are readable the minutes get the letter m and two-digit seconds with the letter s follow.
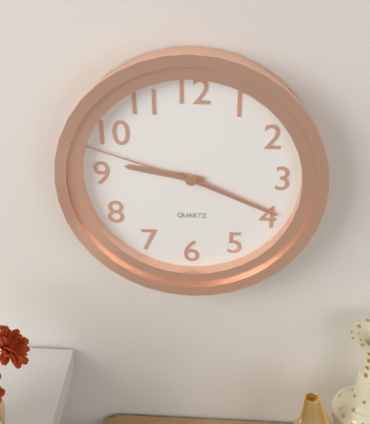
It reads 9h19m48s
